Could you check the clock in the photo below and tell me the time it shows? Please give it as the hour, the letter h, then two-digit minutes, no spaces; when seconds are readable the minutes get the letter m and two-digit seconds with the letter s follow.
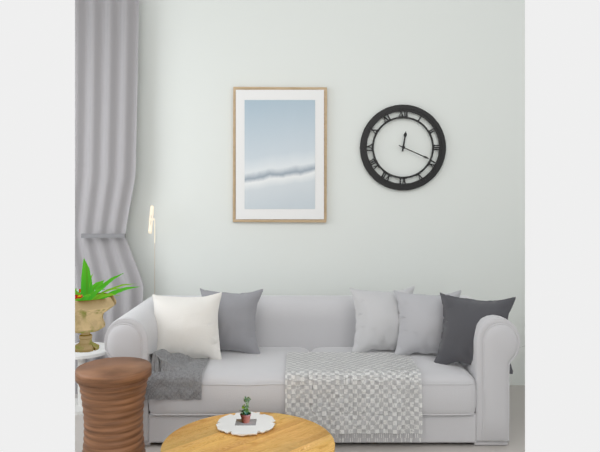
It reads 12h19
